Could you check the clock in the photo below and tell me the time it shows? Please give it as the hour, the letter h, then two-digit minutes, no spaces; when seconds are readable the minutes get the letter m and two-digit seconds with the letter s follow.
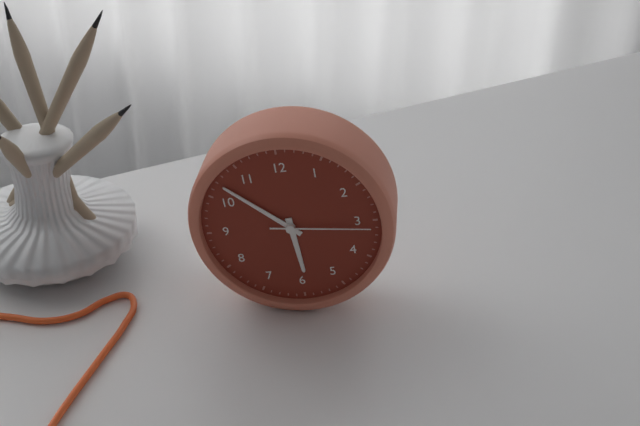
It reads 5h52m16s
